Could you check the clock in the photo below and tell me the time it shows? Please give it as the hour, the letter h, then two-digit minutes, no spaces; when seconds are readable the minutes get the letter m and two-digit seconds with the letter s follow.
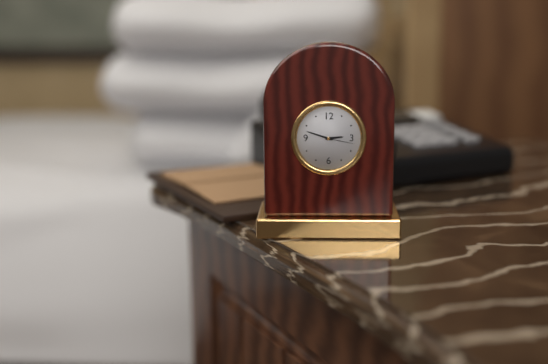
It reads 2h48
